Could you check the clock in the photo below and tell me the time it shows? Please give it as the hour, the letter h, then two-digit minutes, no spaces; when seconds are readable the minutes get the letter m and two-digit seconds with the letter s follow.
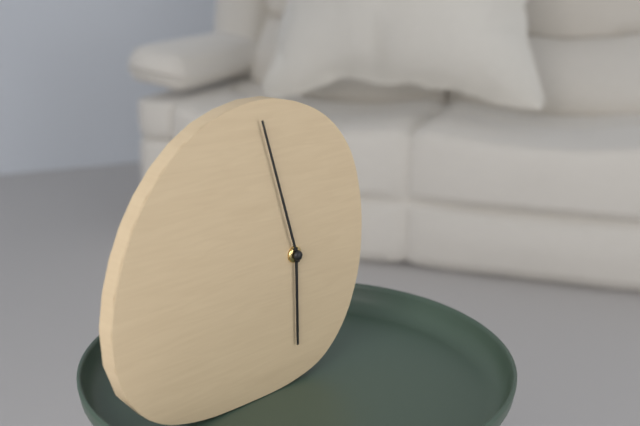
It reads 5h57
